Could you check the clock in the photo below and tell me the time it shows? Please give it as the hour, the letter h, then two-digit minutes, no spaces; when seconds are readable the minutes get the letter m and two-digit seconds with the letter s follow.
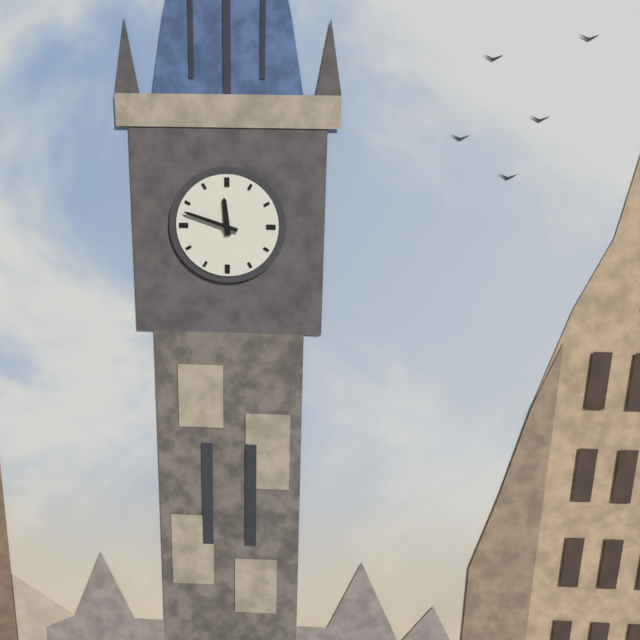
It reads 11h48
